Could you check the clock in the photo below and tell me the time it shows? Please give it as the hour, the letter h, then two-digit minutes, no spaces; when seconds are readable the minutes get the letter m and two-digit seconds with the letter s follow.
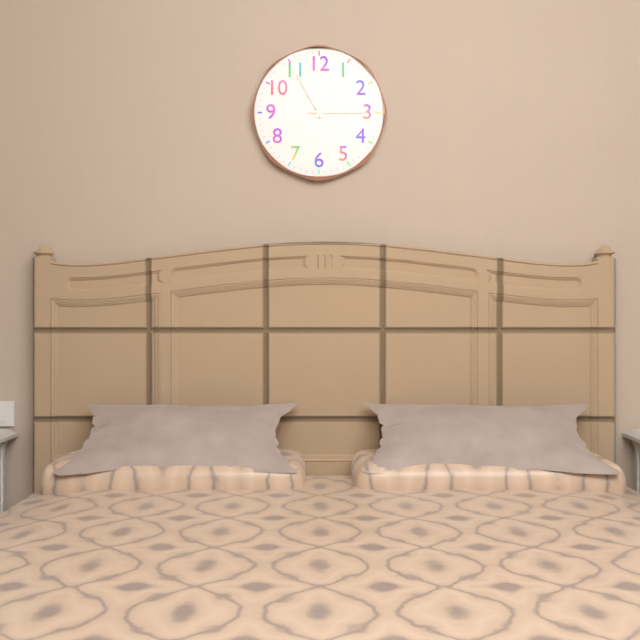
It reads 12h55m15s
